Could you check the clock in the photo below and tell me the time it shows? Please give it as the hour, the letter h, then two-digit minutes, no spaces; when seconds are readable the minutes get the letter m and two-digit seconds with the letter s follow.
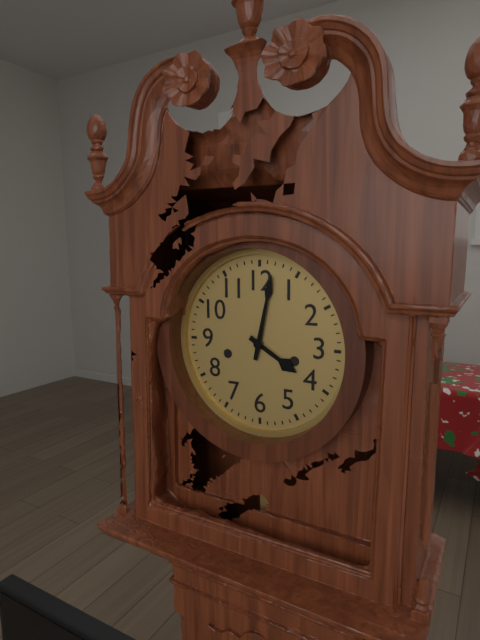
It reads 4h02
